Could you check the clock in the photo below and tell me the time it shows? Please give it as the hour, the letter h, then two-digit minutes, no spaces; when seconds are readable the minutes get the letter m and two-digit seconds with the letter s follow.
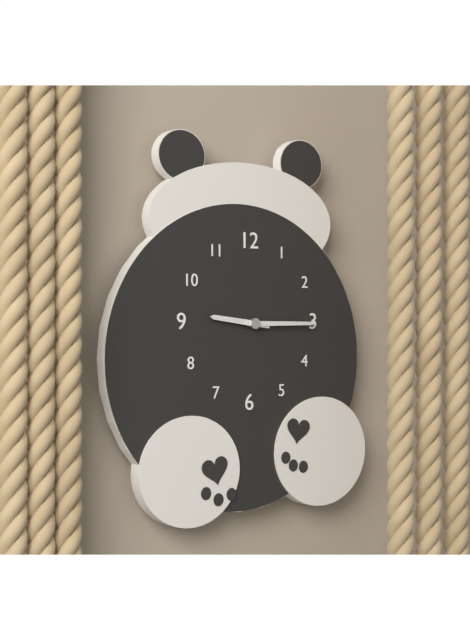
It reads 9h15
